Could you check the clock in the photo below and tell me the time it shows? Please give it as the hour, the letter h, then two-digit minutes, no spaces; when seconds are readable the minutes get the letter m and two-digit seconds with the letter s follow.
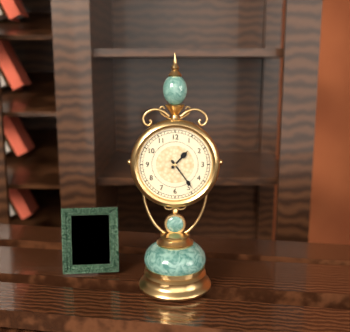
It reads 1h24
